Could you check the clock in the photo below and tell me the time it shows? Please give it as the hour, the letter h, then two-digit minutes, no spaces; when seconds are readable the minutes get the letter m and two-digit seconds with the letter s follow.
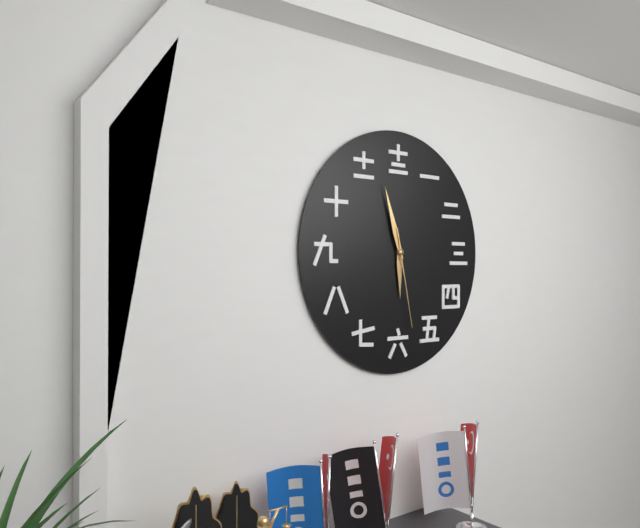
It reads 5h57m28s
